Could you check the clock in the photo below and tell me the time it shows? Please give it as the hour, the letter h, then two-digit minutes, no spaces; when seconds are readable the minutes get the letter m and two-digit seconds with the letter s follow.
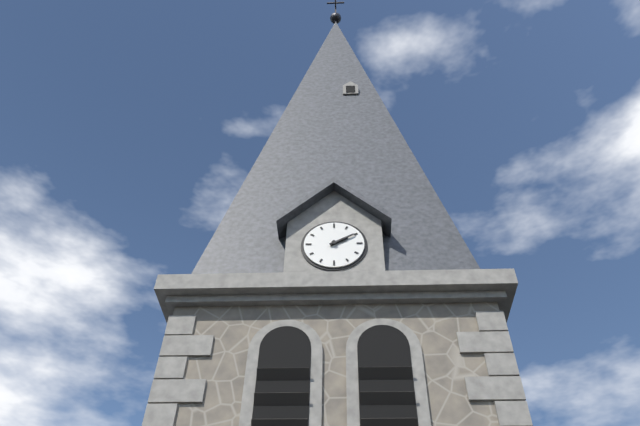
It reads 2h10
